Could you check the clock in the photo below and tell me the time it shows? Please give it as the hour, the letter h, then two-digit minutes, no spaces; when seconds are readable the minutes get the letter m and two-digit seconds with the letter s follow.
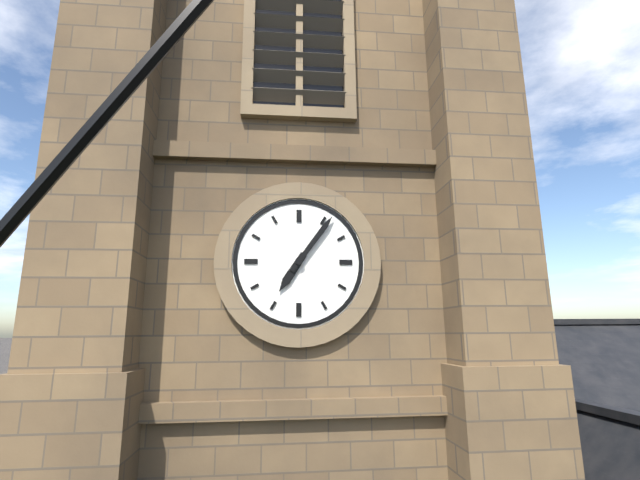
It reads 7h06
